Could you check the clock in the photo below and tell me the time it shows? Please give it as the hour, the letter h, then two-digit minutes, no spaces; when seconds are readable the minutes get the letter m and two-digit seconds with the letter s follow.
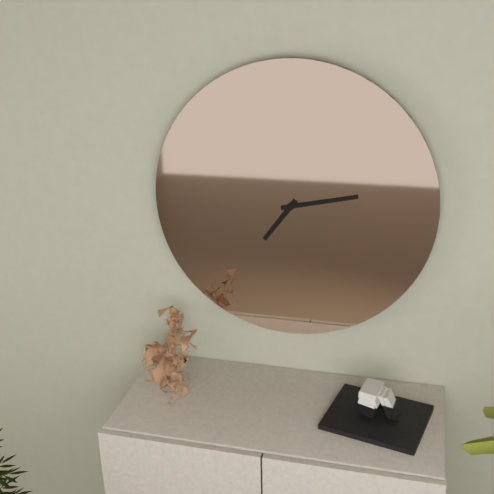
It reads 7h13
